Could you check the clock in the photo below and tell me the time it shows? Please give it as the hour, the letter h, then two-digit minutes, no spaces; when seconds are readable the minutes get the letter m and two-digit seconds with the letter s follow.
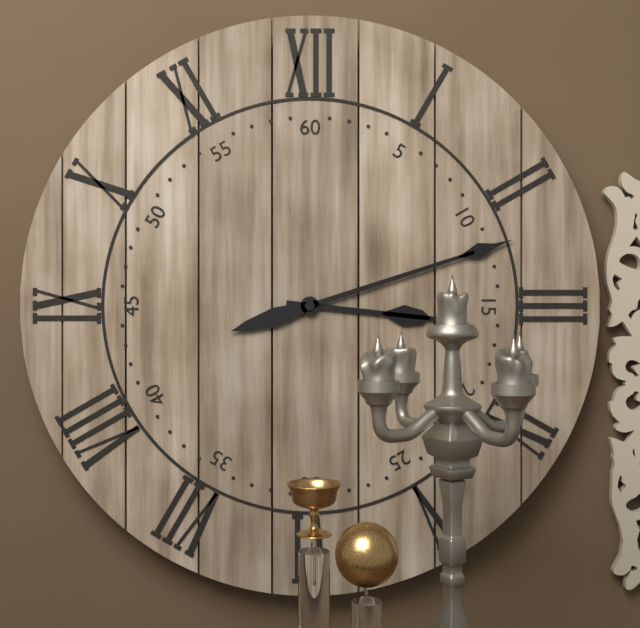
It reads 3h12
